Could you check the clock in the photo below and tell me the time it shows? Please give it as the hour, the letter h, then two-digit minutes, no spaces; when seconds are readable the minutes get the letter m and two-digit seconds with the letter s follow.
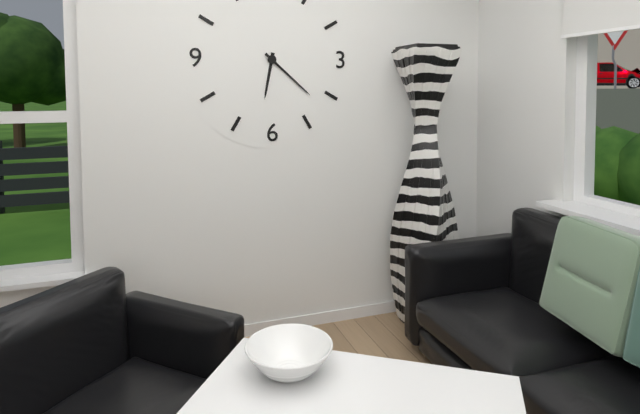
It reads 6h22
